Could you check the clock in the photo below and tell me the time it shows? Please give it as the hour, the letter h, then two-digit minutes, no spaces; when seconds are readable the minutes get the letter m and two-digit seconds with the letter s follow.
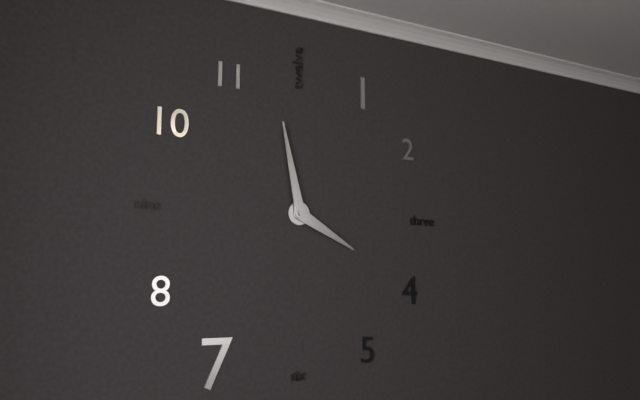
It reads 3h58
